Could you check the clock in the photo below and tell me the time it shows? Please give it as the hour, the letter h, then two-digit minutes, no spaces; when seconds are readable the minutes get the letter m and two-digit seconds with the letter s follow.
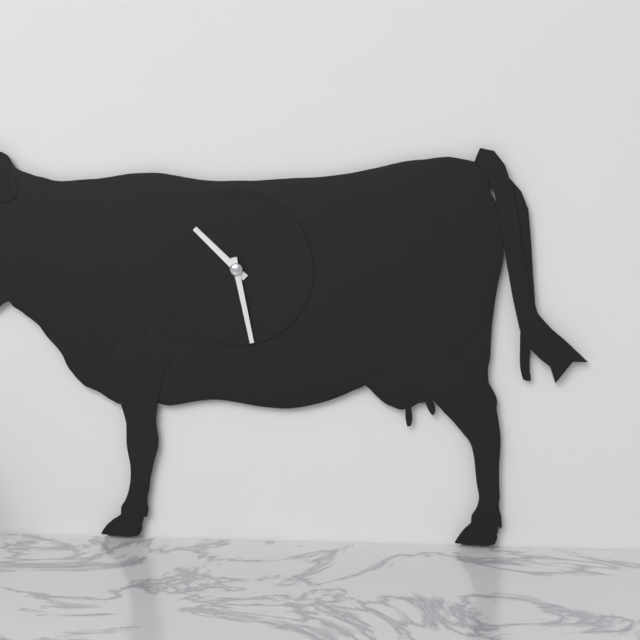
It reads 10h28
